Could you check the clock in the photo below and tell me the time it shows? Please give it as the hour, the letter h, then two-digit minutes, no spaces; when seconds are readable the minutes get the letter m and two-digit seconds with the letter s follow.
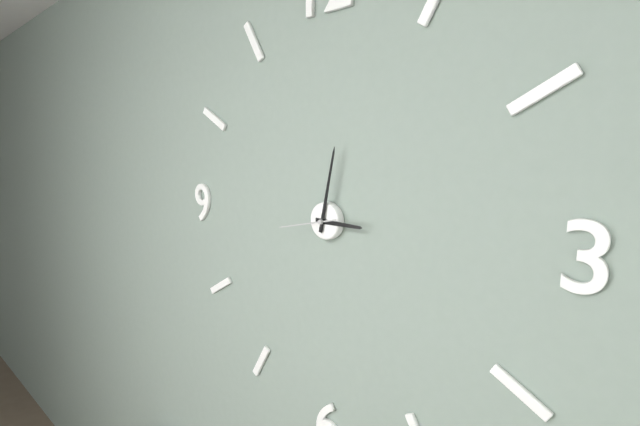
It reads 3h02m43s
